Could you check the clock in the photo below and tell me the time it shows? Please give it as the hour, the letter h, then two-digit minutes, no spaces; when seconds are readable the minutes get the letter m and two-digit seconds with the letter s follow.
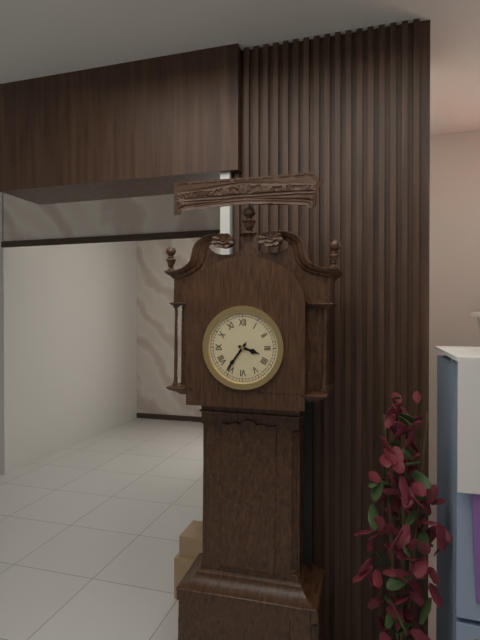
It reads 3h36
